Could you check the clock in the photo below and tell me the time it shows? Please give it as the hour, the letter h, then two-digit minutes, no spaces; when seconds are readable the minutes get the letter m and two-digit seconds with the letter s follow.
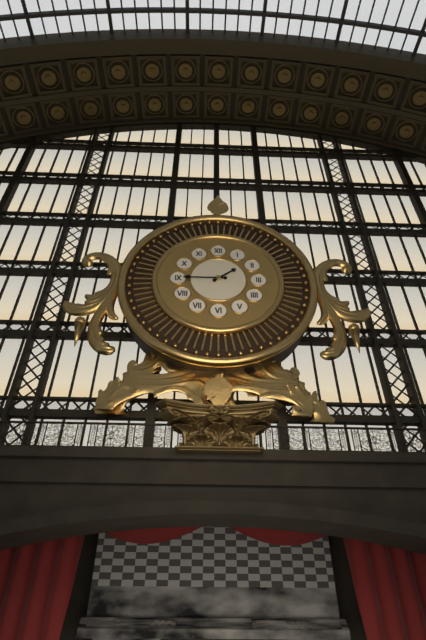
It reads 1h45
